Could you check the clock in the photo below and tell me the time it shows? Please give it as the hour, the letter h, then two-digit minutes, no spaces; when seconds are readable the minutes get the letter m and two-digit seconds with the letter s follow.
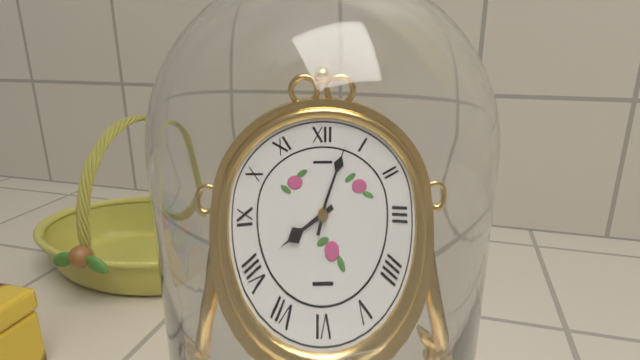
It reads 8h03
